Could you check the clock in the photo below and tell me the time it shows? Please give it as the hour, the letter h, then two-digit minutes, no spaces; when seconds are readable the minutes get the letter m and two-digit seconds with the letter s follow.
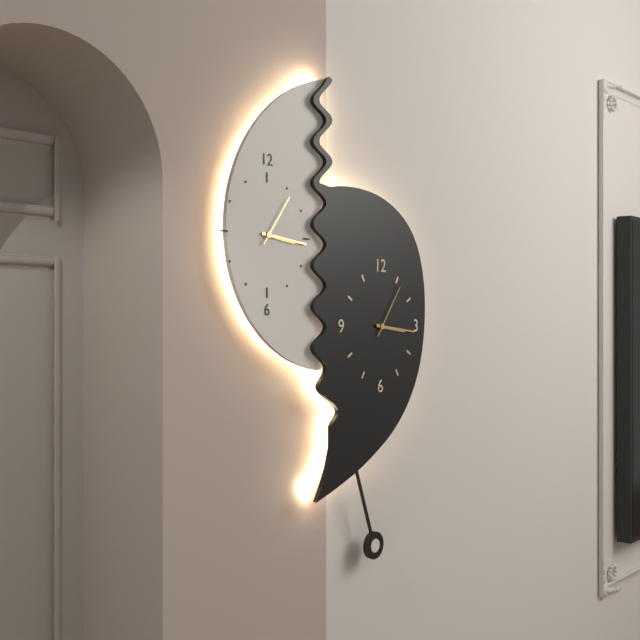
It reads 3h16m06s
